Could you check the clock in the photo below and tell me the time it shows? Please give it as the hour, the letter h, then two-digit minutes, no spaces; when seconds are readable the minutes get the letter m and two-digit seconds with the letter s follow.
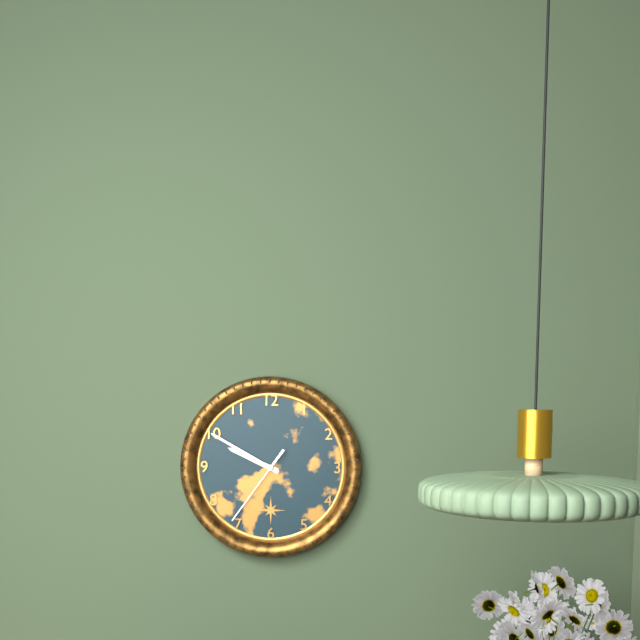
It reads 9h50m36s
